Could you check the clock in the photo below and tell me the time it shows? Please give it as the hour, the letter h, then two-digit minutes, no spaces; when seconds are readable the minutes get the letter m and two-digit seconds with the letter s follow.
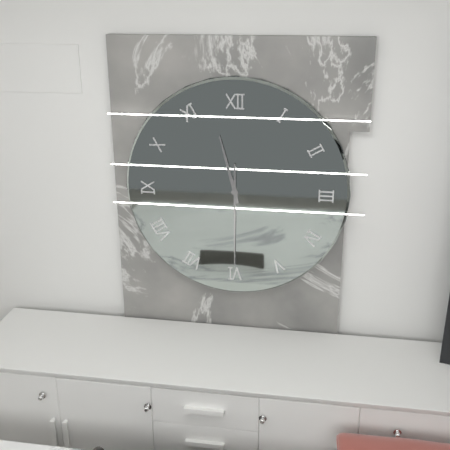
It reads 11h30
